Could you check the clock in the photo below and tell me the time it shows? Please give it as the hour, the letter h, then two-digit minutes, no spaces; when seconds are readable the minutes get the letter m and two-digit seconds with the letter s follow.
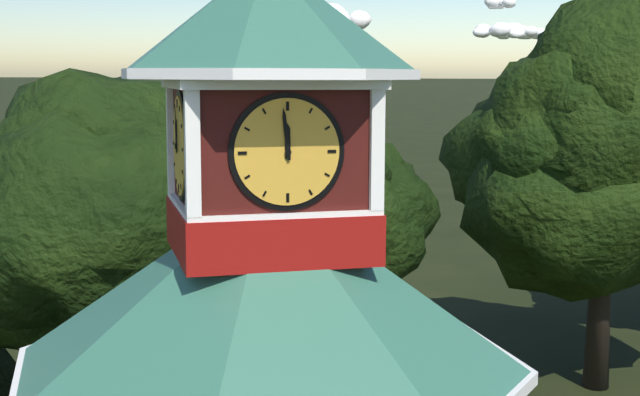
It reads 11h59
